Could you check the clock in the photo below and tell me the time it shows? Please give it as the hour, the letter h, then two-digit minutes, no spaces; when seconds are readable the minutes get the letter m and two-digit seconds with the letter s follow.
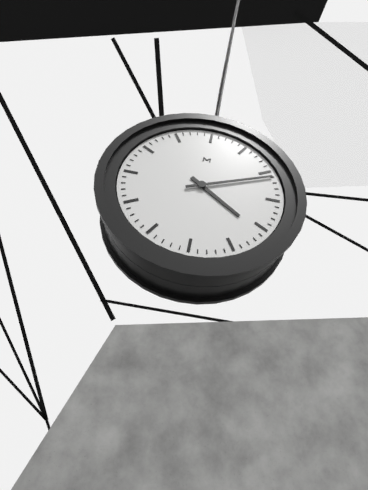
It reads 4h11
